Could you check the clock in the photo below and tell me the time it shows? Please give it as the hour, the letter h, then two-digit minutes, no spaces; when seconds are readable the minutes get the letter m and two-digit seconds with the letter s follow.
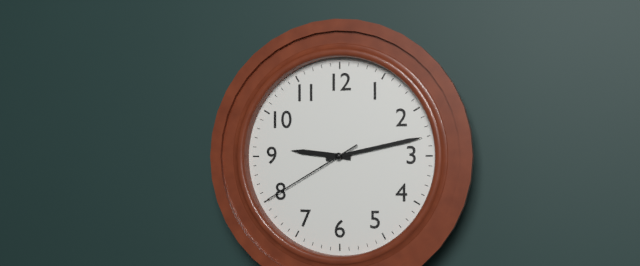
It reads 9h13m40s
